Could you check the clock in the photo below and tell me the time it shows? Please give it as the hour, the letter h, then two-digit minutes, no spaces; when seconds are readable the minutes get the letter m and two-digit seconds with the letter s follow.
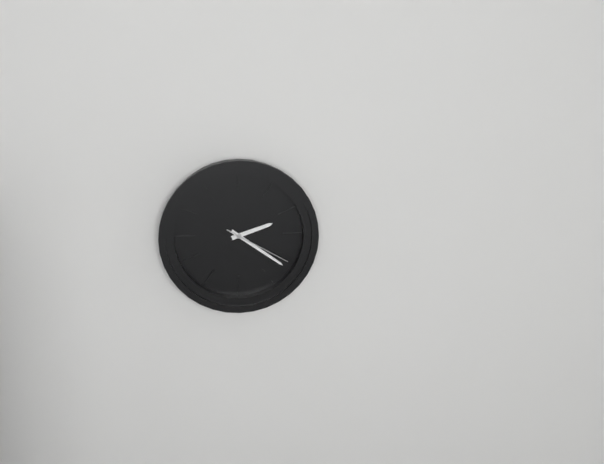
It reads 2h21m20s
